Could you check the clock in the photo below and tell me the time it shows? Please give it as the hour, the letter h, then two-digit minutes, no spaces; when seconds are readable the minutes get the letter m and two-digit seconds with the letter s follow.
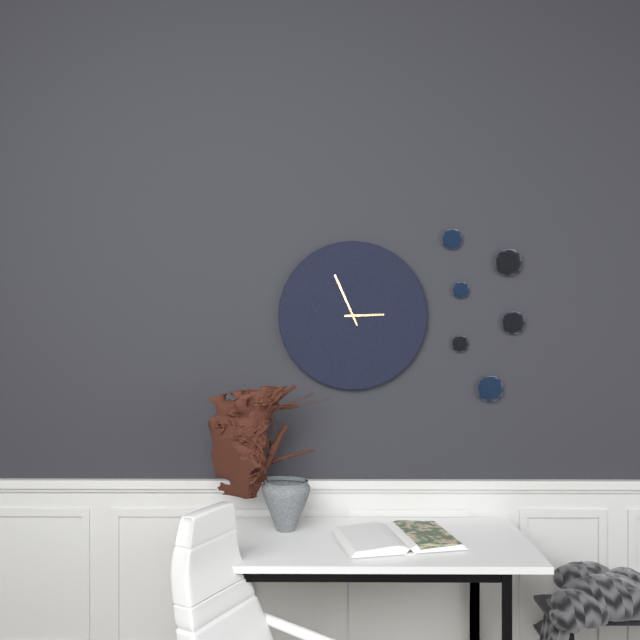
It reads 2h56
